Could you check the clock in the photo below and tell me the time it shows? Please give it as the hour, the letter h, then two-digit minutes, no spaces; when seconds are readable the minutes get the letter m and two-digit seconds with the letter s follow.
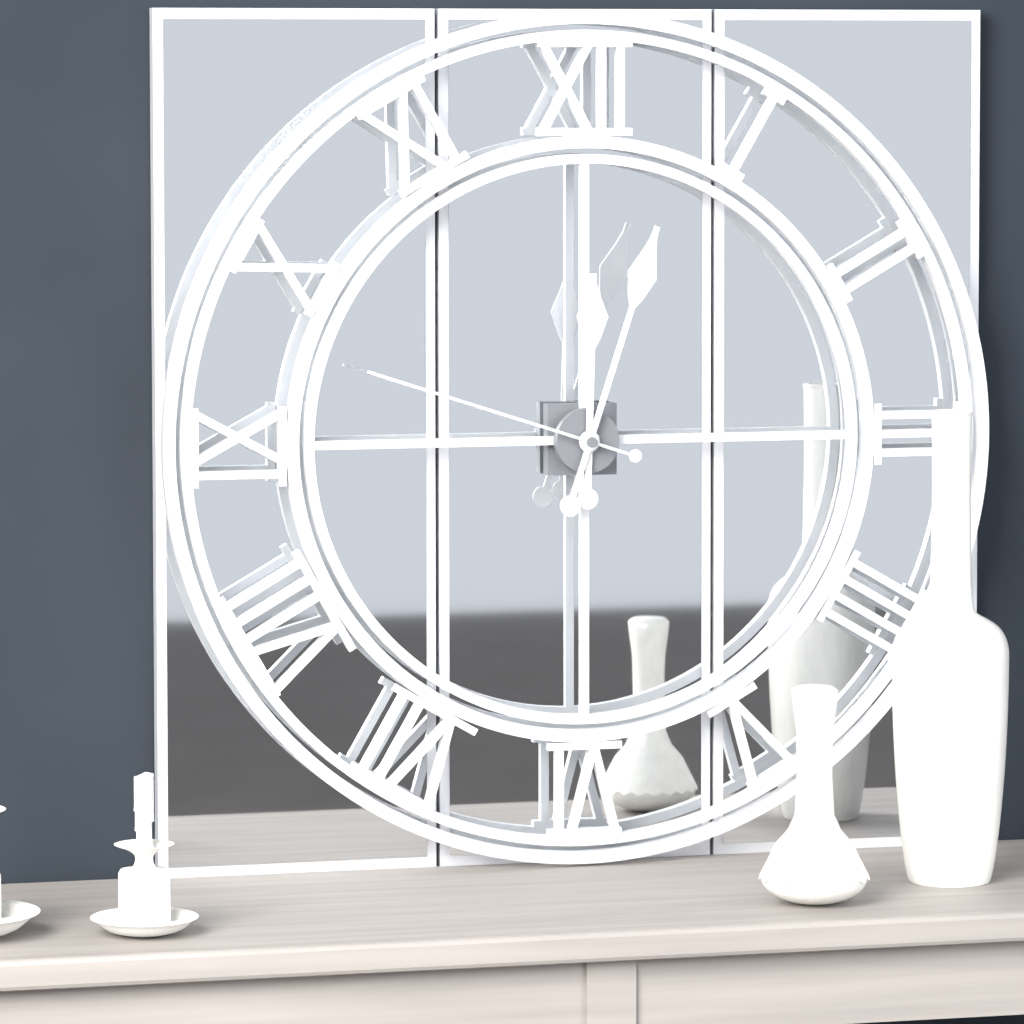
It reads 12h03m48s
